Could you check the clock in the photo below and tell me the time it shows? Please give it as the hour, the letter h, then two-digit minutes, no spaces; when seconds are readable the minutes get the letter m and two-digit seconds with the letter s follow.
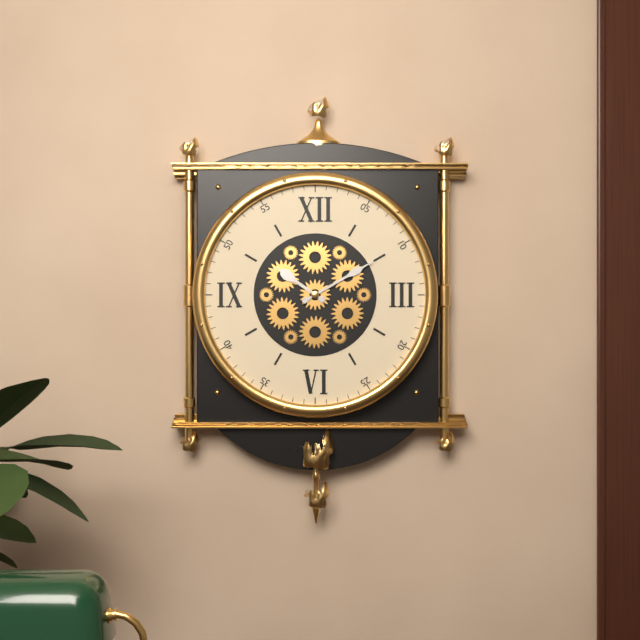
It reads 10h10
